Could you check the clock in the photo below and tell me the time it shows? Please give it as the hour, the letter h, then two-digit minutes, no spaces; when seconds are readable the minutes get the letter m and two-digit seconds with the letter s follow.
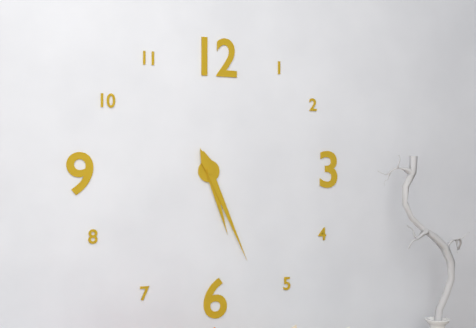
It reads 5h26
